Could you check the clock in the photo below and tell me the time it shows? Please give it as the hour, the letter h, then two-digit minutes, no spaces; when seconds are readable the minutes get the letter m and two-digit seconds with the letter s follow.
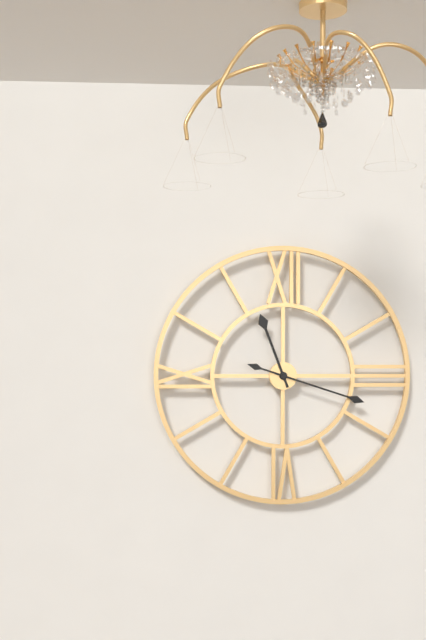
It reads 11h18
